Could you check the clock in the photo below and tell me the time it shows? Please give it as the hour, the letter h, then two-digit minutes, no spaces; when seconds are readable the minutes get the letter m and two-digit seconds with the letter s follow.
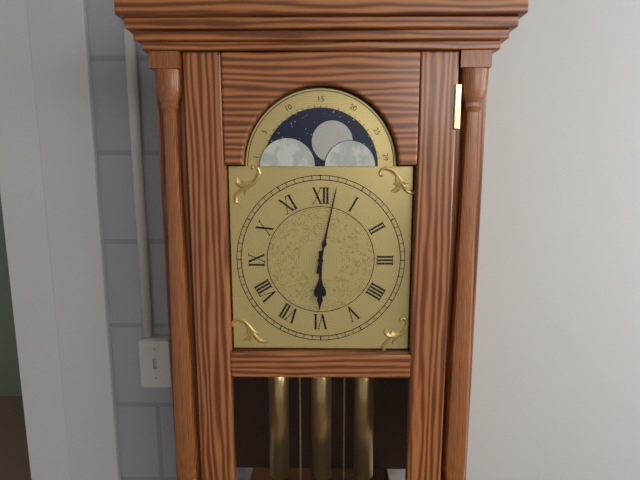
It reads 6h02
